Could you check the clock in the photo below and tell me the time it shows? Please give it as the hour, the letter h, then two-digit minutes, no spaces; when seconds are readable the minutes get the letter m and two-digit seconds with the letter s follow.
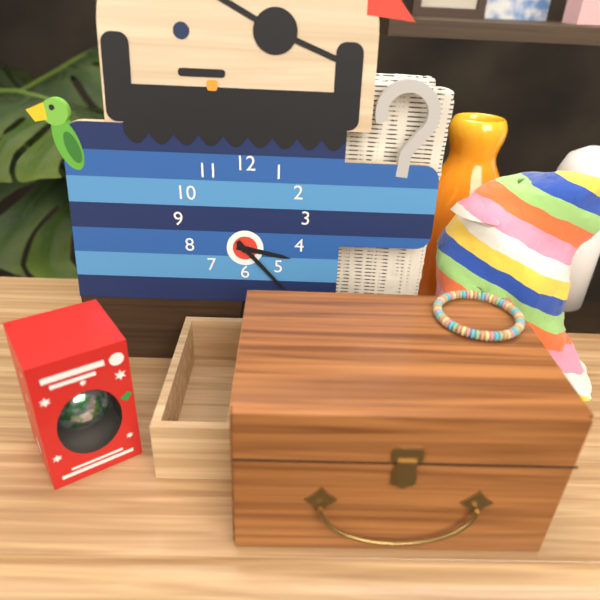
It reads 3h23
